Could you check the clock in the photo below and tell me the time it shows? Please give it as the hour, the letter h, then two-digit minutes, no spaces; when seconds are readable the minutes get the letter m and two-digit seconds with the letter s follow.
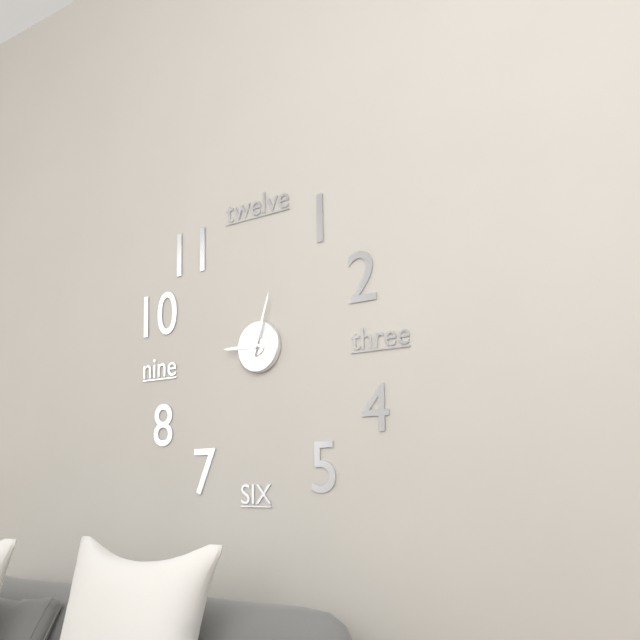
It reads 9h03
